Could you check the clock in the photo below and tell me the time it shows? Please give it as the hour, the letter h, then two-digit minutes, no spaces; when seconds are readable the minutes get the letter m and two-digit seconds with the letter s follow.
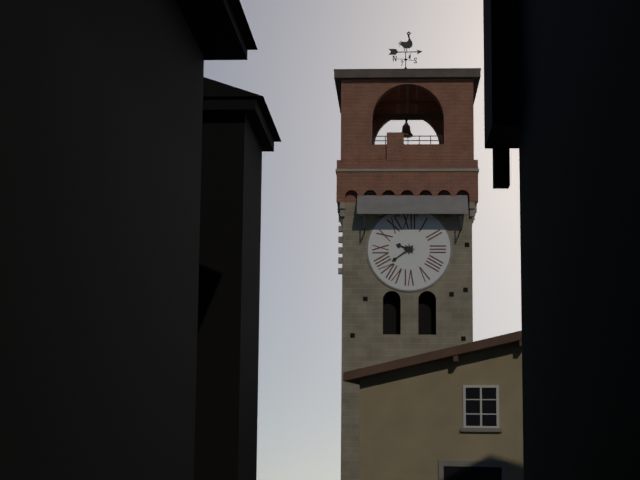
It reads 9h39
